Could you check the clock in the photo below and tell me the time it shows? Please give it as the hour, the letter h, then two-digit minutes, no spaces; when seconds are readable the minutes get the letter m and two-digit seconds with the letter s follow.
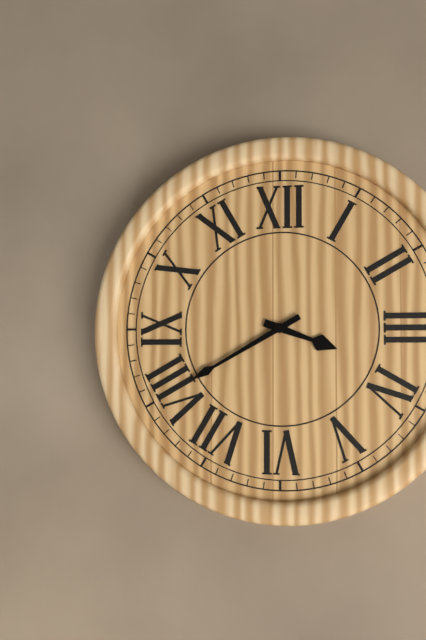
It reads 3h40
